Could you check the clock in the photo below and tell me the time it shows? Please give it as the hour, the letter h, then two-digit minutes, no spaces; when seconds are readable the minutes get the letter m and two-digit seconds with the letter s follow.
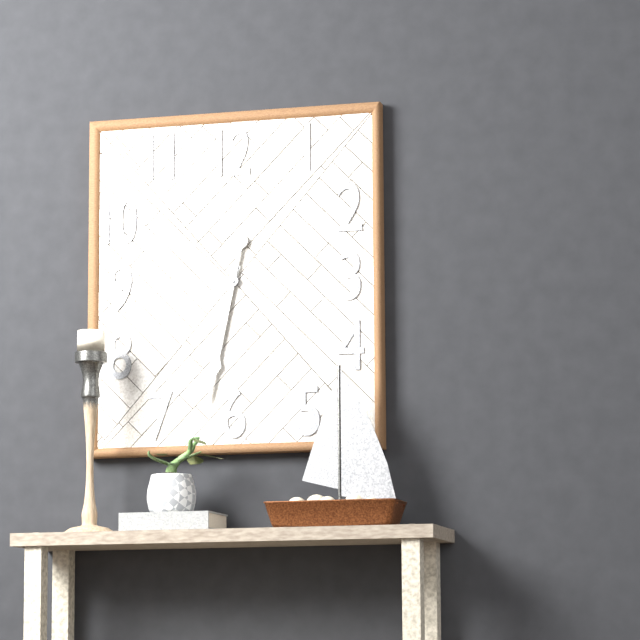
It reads 6h32
